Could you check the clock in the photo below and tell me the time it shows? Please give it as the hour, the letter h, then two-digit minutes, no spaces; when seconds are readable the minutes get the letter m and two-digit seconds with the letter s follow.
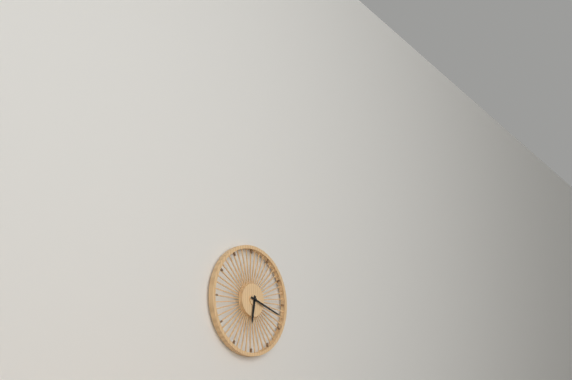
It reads 6h18
